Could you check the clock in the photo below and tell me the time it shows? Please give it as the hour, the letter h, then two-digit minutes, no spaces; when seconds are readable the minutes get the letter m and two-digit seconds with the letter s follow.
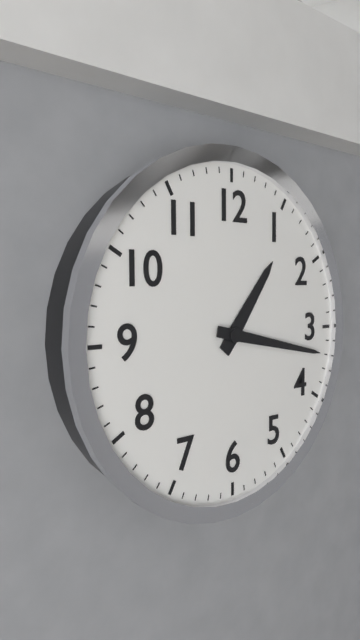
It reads 1h17
